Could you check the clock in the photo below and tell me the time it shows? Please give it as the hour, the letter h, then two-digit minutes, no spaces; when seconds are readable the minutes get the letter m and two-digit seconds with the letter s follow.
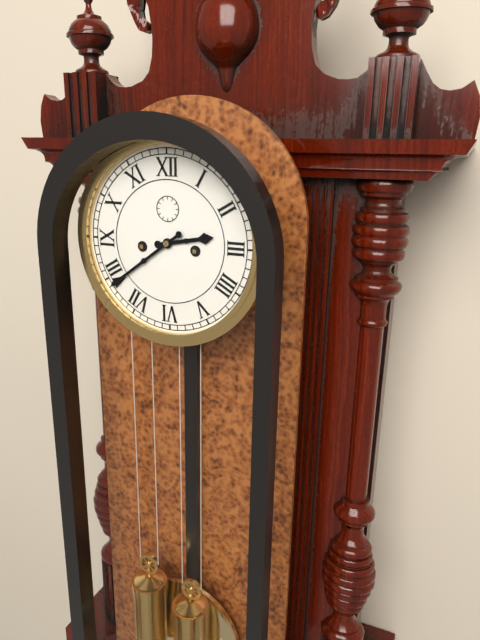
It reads 2h39
